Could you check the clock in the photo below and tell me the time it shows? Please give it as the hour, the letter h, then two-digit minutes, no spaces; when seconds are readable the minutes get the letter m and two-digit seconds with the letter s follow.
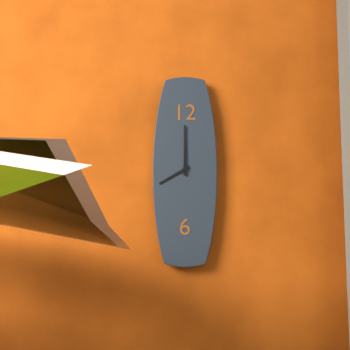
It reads 8h00
